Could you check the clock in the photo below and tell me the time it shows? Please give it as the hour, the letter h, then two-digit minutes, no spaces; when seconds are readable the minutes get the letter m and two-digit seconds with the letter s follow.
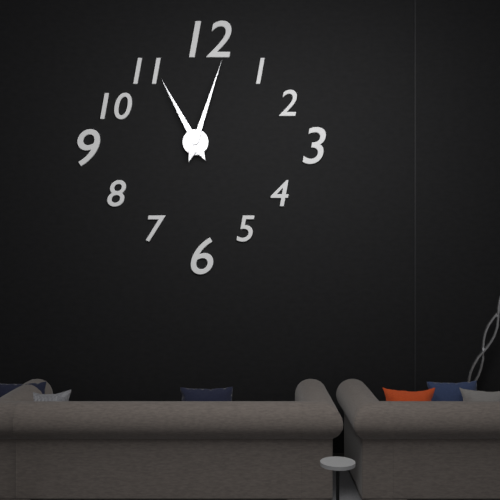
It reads 11h03
